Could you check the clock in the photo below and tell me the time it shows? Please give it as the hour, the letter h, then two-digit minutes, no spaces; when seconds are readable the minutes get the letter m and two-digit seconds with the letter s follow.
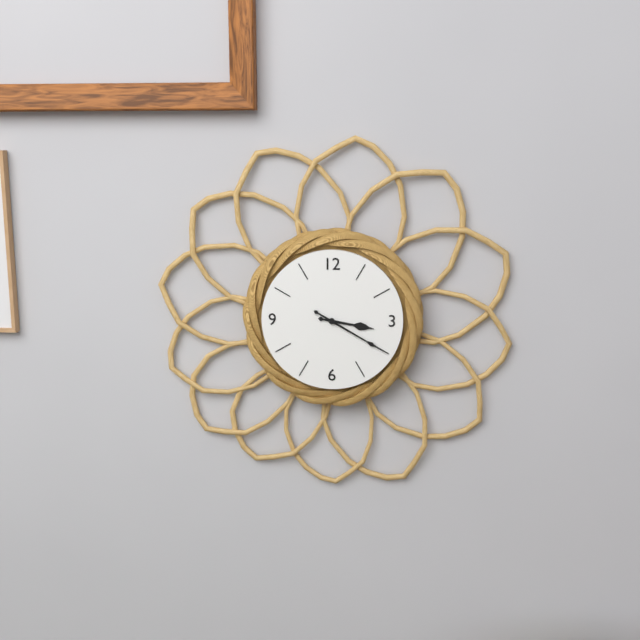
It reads 3h20
